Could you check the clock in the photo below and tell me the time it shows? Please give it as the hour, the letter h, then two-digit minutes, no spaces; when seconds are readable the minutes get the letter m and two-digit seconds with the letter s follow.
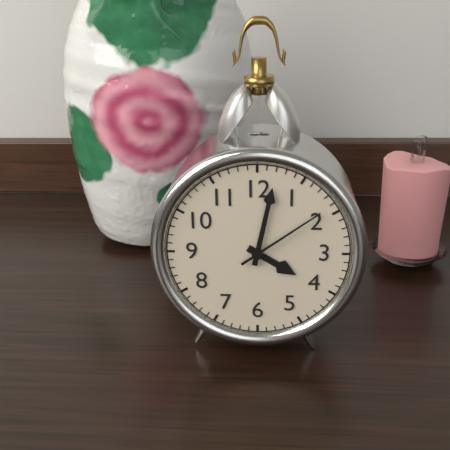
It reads 4h02m09s
